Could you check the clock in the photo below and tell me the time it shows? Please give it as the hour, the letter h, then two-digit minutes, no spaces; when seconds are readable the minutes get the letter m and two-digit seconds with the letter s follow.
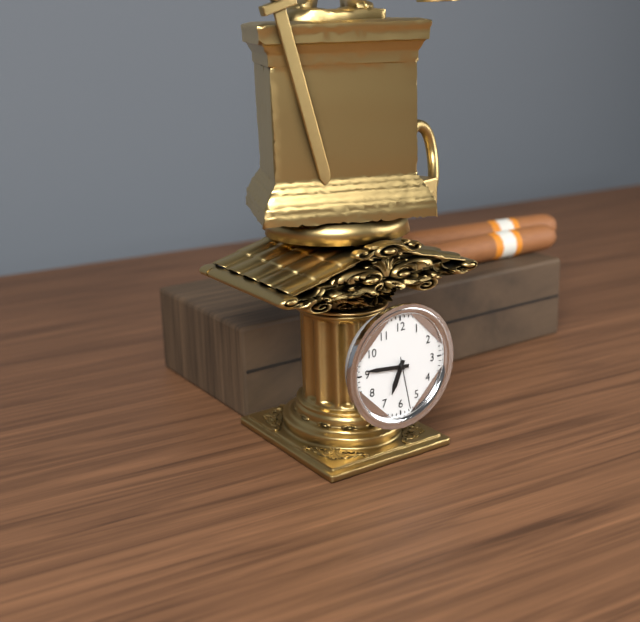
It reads 6h46m28s
